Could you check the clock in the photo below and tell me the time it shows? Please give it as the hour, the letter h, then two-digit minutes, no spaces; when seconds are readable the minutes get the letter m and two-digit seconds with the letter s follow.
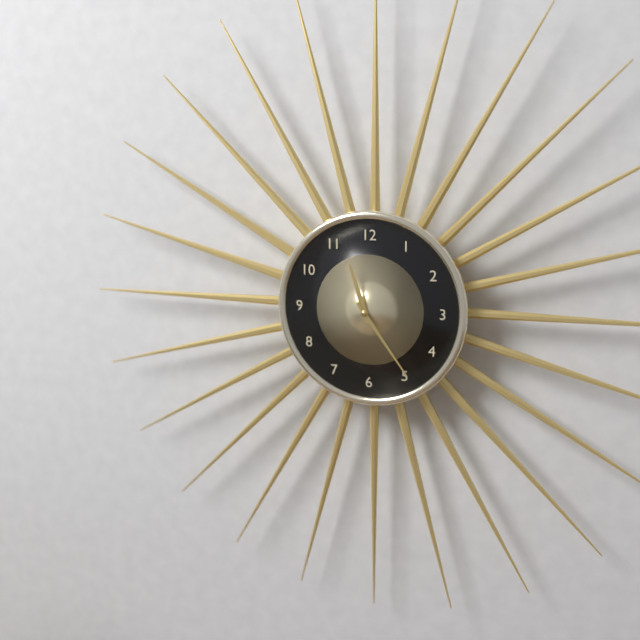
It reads 11h24
